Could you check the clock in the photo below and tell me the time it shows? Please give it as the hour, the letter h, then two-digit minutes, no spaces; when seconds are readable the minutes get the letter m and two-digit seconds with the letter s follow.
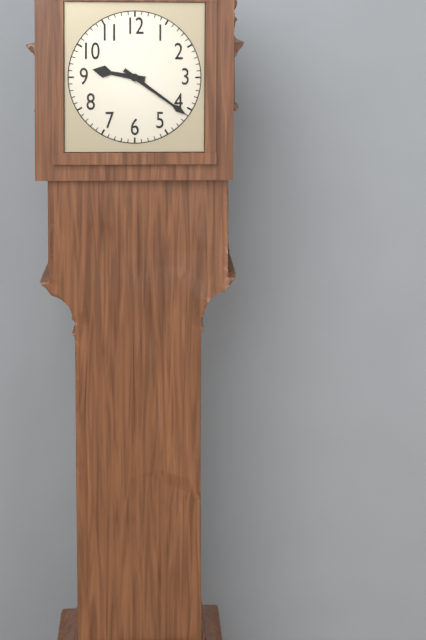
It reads 9h21
